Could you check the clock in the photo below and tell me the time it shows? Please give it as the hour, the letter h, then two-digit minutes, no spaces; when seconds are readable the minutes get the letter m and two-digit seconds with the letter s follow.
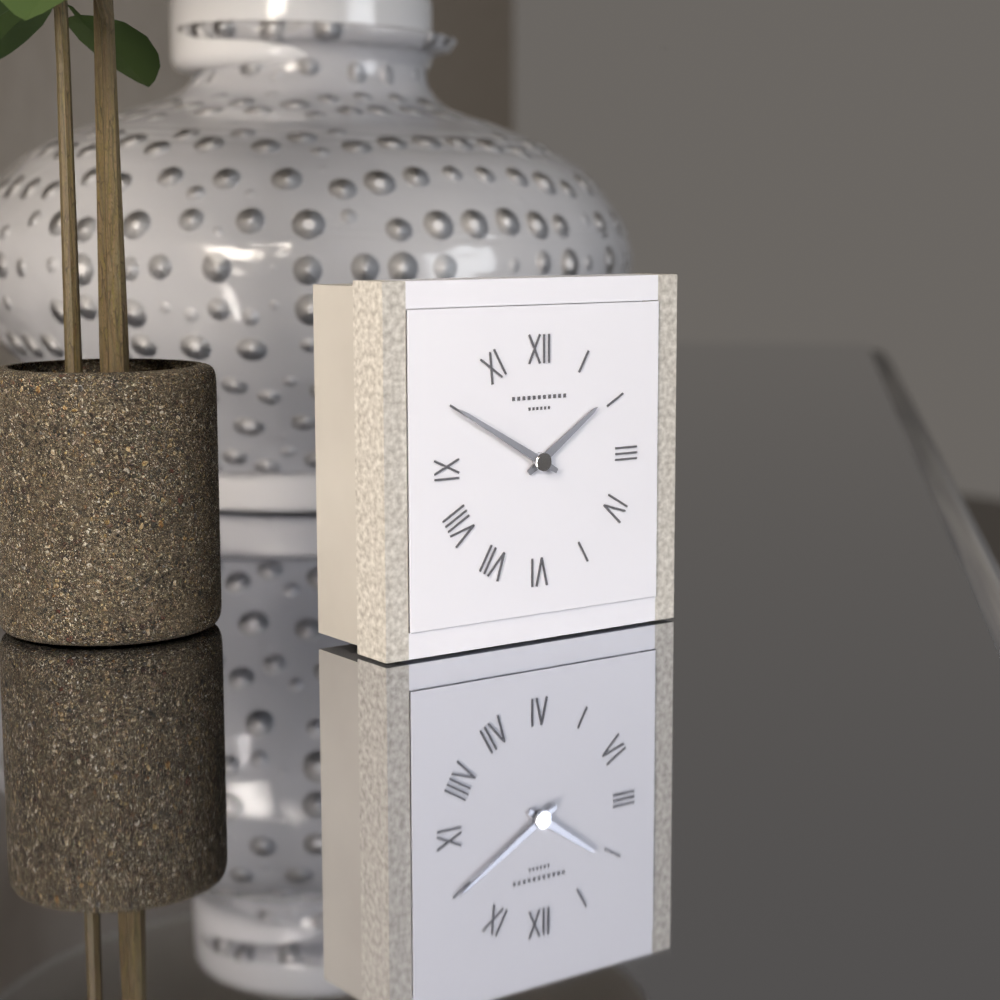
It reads 1h50
